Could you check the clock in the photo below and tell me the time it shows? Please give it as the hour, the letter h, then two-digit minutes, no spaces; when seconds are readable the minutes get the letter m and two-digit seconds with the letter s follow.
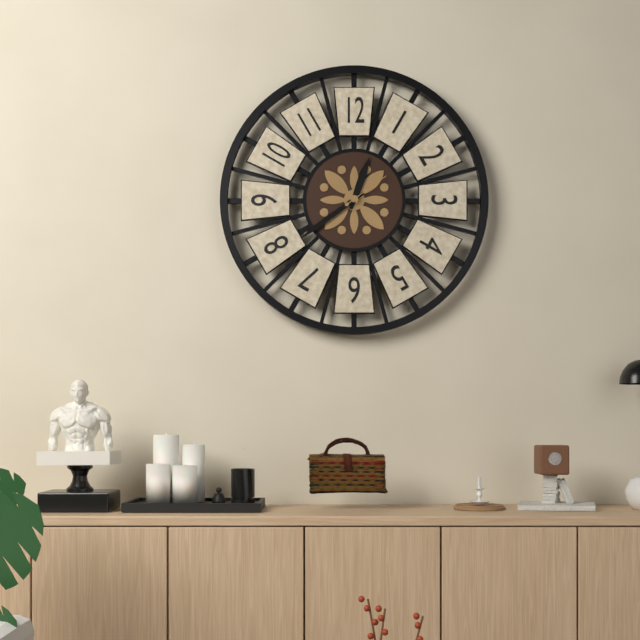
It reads 12h39m09s
